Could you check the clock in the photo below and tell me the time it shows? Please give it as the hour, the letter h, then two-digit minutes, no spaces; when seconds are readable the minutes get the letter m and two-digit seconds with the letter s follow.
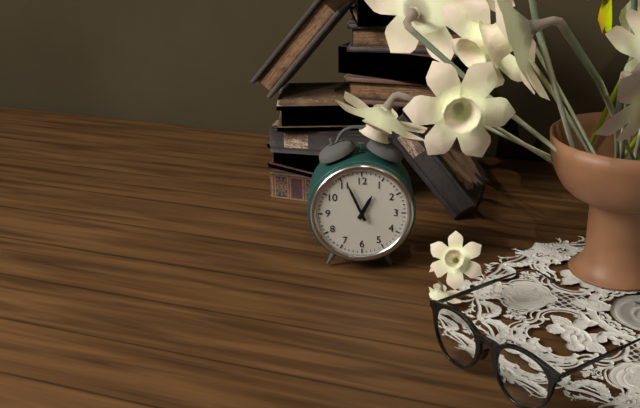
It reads 12h56
